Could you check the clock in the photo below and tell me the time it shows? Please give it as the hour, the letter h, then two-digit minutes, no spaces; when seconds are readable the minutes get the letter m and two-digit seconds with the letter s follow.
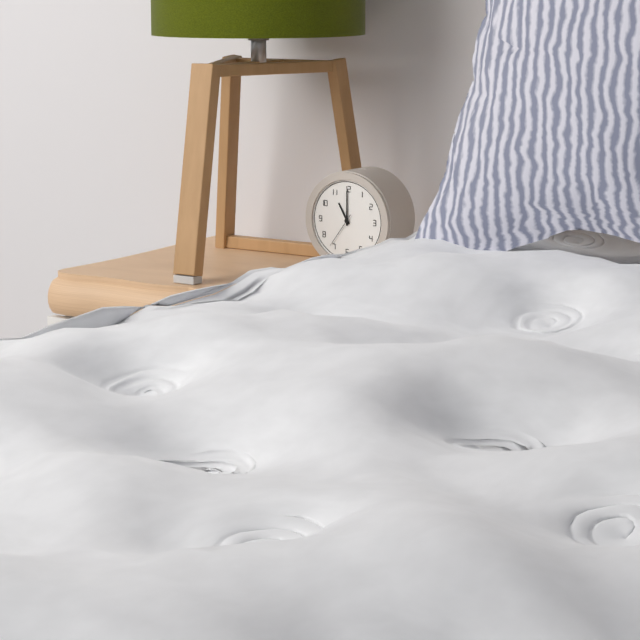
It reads 11h00
